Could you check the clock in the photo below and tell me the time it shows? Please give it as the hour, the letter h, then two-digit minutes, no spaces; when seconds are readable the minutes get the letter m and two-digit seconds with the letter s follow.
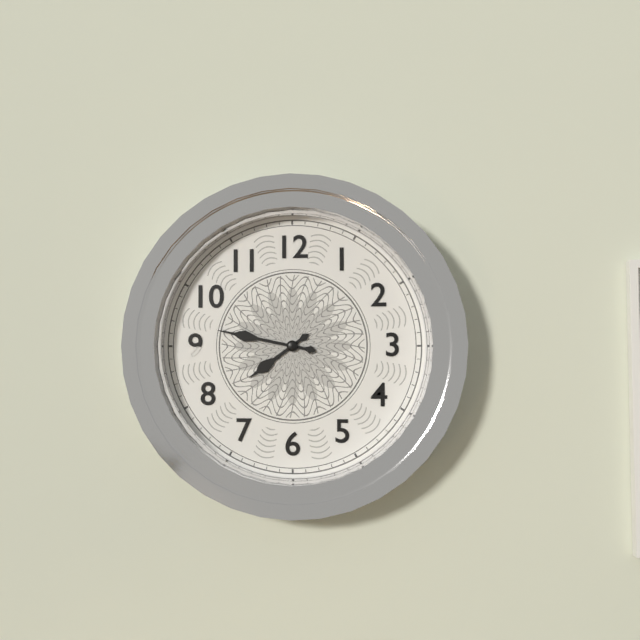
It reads 7h47
